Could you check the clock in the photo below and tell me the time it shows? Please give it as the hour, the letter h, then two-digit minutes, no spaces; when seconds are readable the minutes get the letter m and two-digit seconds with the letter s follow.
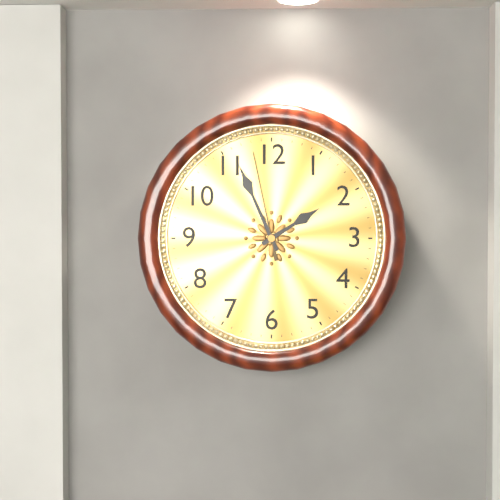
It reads 1h56m58s
